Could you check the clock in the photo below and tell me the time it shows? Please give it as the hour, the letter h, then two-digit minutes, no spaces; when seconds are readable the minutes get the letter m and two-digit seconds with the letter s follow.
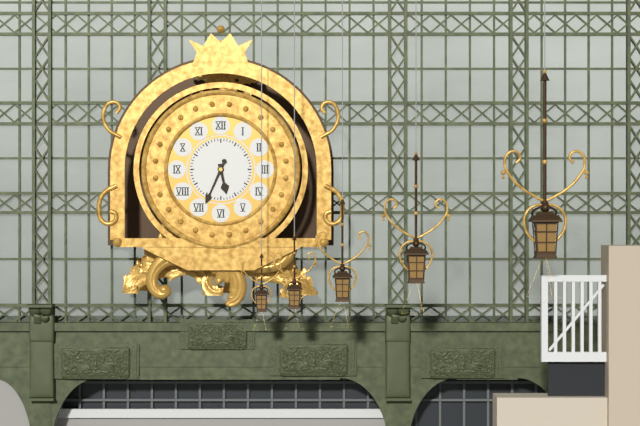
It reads 5h34
